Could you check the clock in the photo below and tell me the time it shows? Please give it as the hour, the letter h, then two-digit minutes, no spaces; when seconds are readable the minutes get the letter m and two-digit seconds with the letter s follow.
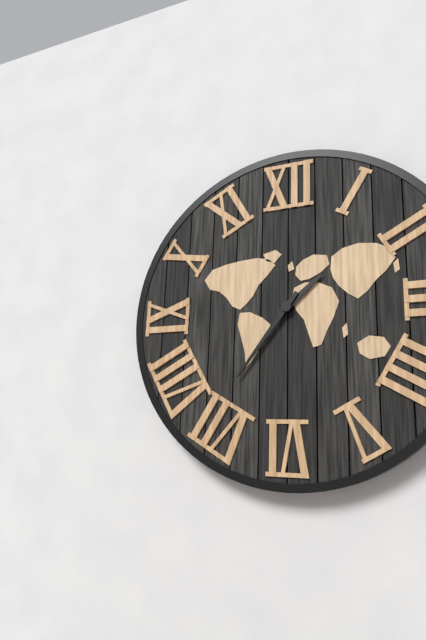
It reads 1h36
